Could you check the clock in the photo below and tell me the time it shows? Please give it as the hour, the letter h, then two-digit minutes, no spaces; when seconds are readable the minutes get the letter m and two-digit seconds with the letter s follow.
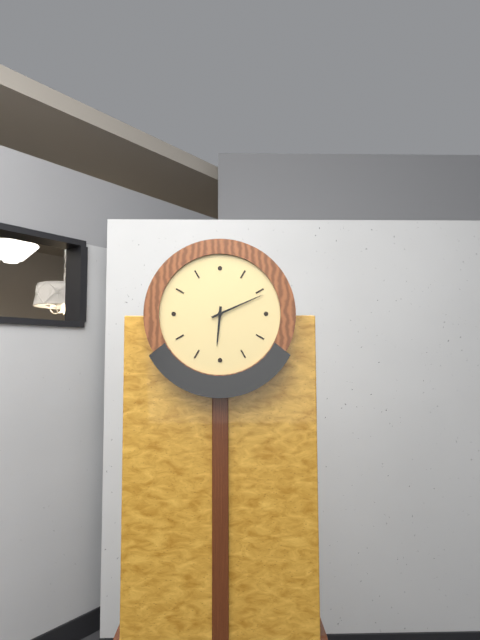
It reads 6h11
